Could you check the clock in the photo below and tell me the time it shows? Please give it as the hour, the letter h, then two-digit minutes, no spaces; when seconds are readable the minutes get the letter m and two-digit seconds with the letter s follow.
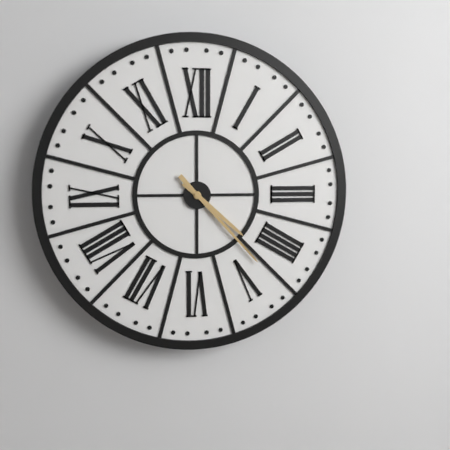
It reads 4h23
